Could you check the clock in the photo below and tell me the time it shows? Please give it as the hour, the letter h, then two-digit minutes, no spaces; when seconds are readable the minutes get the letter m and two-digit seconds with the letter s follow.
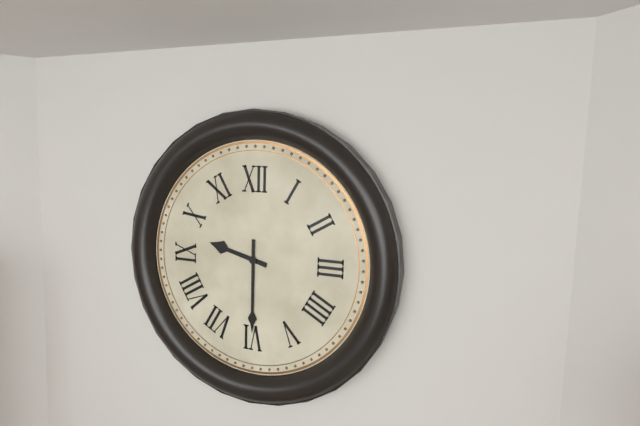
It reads 9h30
